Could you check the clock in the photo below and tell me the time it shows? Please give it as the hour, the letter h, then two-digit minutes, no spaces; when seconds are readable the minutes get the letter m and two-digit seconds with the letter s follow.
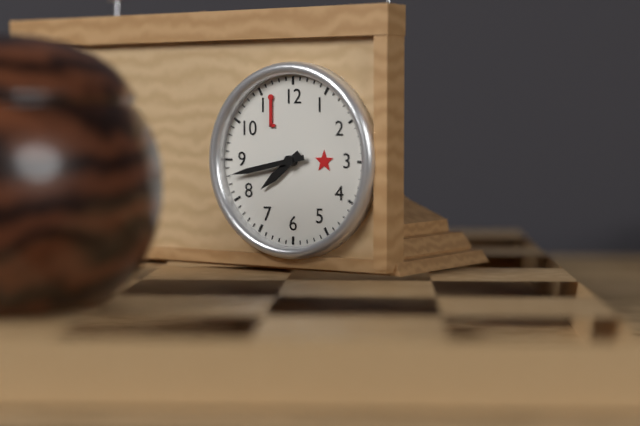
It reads 7h43
